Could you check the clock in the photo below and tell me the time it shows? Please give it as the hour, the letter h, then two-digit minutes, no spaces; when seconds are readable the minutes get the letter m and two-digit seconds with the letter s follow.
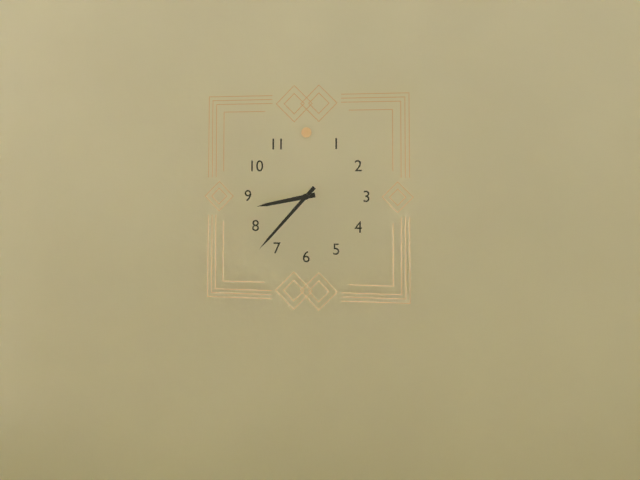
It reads 8h37
